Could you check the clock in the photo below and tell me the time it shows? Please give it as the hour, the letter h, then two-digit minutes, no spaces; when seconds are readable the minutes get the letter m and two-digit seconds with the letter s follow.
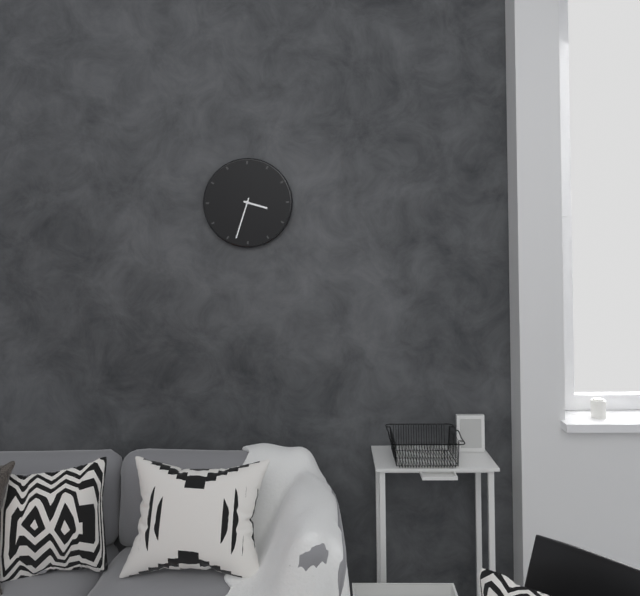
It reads 3h33
